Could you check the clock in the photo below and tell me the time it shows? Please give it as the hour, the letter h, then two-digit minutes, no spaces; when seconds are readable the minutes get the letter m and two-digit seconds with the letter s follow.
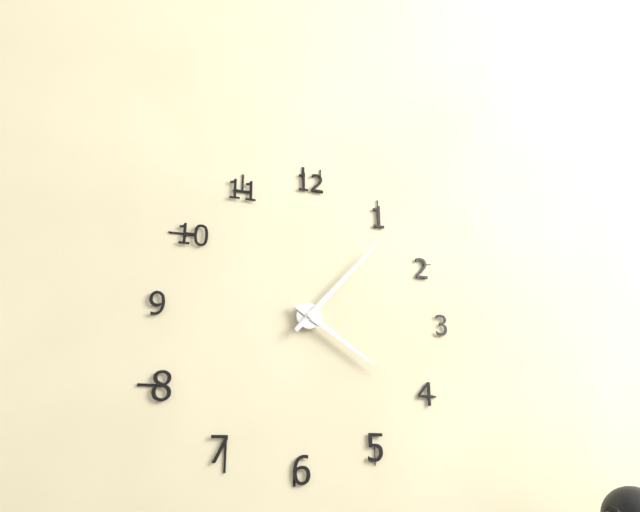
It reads 4h07
